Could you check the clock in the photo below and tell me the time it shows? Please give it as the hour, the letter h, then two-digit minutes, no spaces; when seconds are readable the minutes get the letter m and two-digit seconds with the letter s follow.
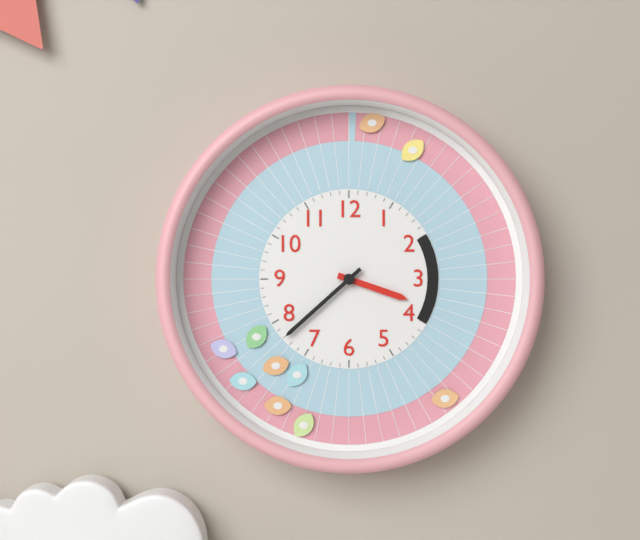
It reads 3h38
